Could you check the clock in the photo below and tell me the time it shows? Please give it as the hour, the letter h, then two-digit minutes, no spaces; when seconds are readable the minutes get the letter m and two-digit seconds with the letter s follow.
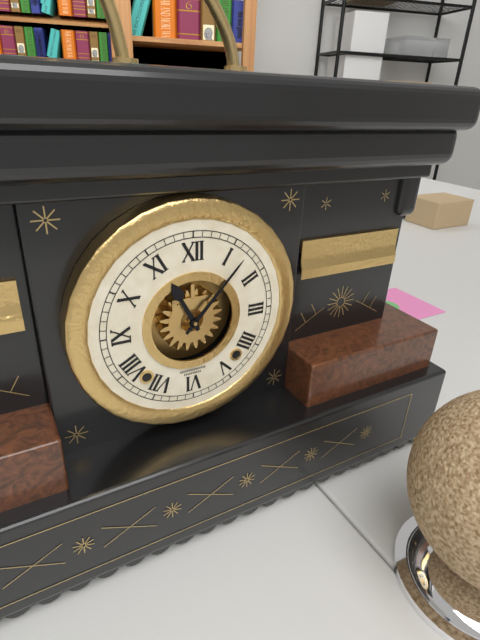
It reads 11h07
